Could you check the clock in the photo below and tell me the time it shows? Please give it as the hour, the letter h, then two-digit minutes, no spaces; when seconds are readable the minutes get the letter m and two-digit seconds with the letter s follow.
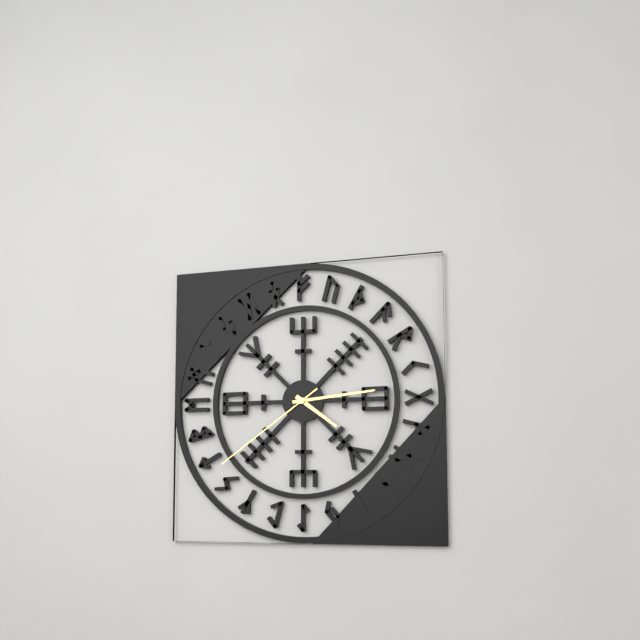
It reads 4h14m39s
